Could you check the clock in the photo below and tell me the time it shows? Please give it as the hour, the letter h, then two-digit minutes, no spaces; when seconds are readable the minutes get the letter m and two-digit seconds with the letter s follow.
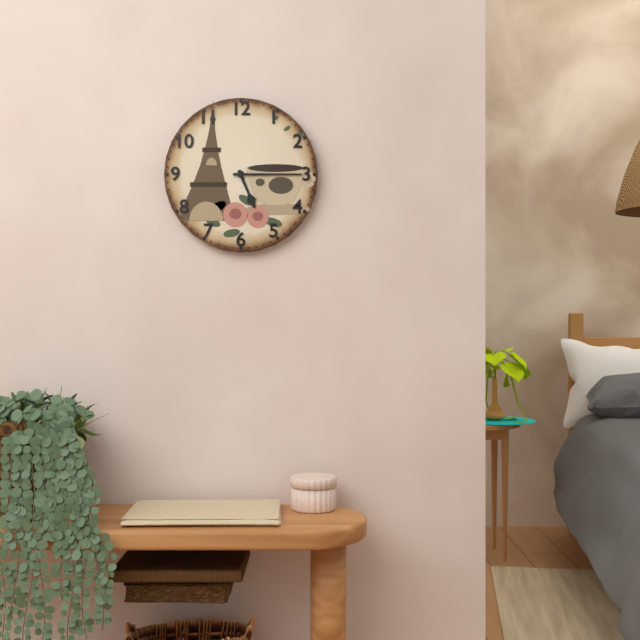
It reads 5h15
